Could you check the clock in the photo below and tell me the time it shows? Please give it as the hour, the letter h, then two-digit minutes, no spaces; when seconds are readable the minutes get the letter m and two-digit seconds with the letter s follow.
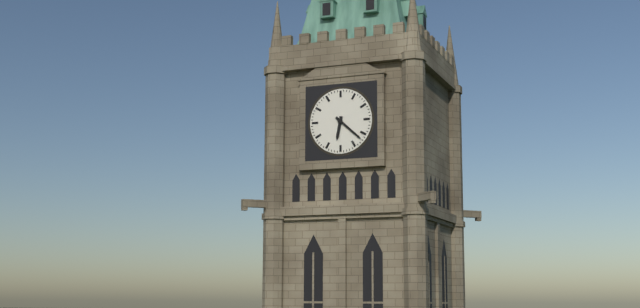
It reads 6h22
